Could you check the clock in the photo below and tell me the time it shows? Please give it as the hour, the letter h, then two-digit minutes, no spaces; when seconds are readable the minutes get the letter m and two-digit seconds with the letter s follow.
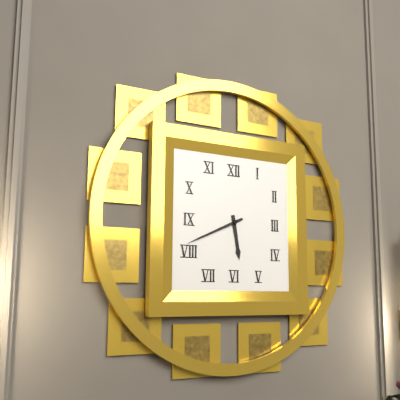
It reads 5h41
